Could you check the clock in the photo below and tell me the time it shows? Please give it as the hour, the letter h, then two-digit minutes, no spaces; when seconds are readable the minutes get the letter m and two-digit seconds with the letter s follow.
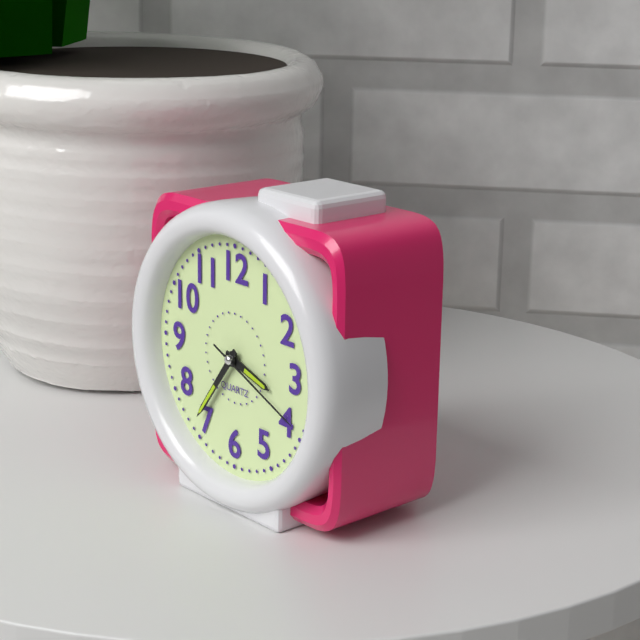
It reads 3h36m19s
